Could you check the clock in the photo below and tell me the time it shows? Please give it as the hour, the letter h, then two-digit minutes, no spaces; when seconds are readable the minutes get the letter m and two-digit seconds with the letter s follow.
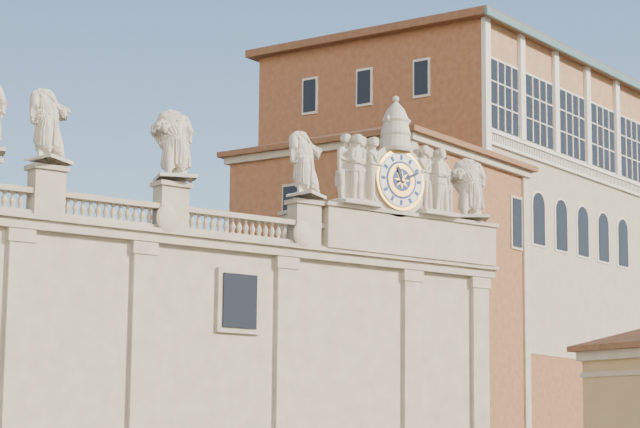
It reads 11h11
